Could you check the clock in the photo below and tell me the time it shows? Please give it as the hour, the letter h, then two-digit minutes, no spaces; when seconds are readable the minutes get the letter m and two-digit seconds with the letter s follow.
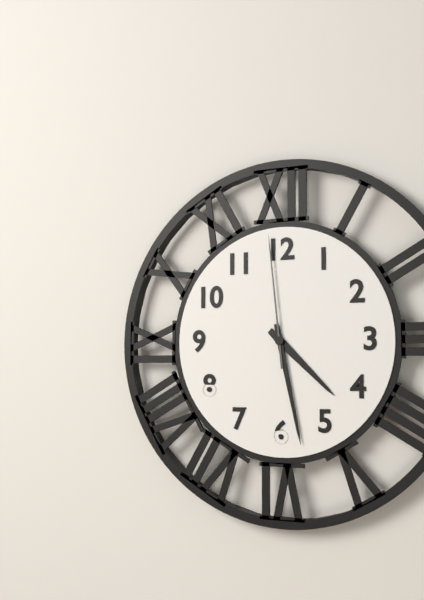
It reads 4h28m59s
